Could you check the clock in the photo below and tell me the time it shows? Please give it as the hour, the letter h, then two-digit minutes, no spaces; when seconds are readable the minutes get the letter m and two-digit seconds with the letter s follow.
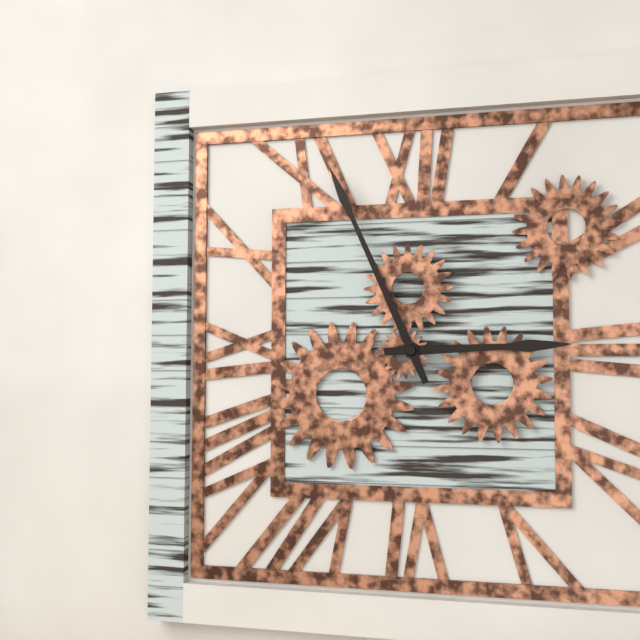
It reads 2h56
